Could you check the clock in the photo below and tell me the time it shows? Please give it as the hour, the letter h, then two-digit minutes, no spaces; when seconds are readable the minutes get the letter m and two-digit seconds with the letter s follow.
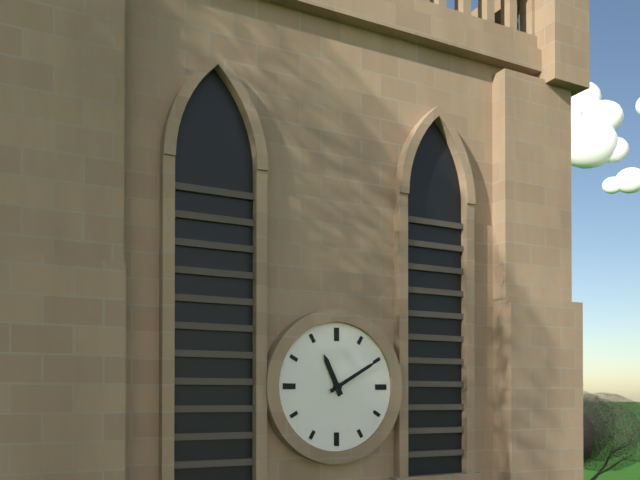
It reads 11h10
